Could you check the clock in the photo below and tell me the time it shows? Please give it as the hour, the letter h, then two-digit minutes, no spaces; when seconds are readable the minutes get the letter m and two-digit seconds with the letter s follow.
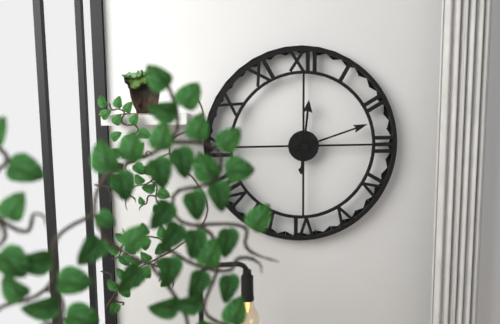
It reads 12h12
